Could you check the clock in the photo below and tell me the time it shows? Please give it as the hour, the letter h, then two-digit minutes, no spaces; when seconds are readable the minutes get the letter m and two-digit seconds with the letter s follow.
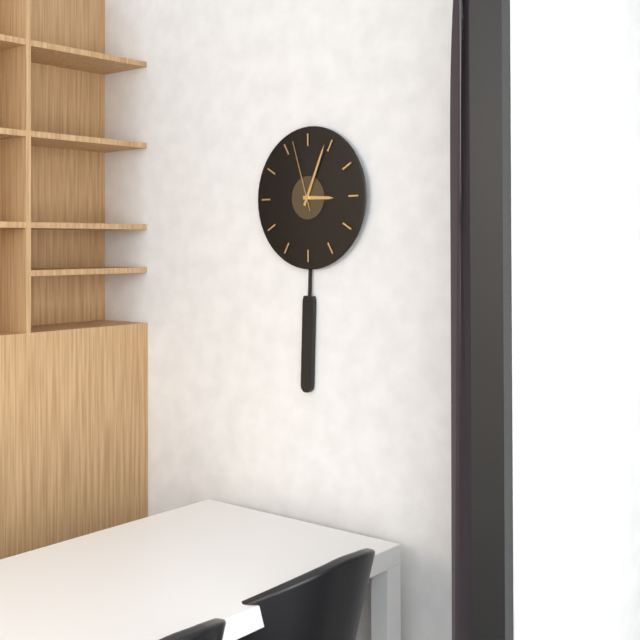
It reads 3h04m57s
